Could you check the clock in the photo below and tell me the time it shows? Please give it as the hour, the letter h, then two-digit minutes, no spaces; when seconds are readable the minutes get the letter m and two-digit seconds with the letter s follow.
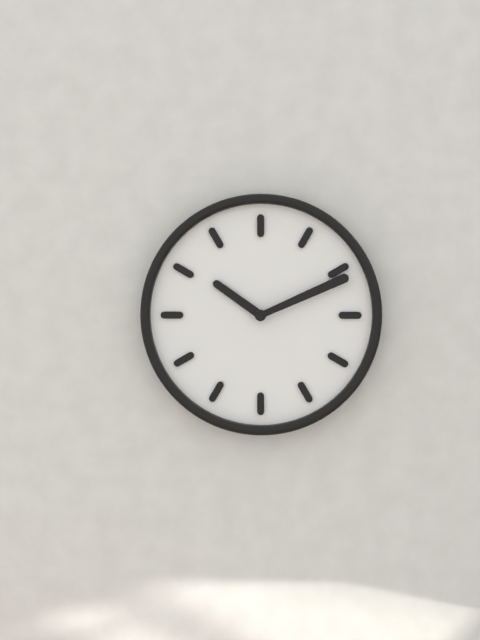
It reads 10h11
